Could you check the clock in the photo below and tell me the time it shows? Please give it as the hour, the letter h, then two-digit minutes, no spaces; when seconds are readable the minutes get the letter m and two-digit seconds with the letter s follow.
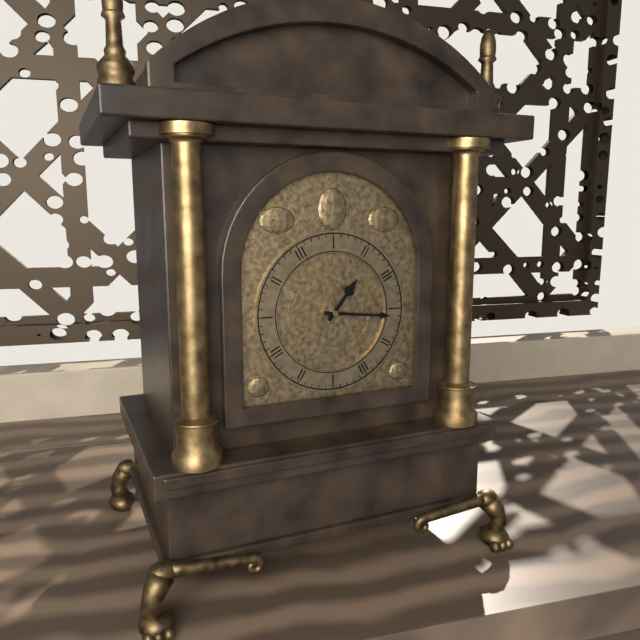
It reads 1h16
